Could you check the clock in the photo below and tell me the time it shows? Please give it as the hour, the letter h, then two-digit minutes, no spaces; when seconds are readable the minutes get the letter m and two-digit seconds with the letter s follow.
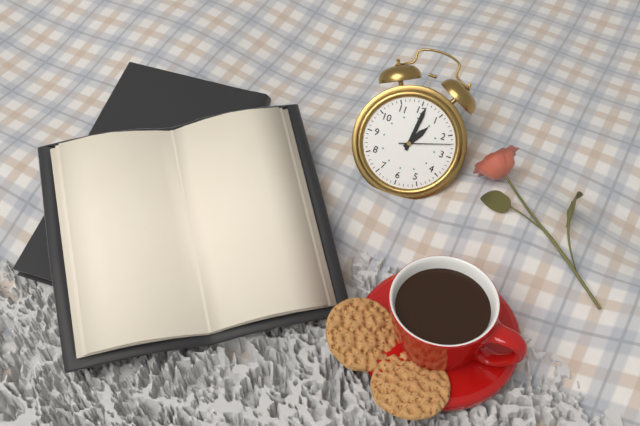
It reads 1h01m12s
